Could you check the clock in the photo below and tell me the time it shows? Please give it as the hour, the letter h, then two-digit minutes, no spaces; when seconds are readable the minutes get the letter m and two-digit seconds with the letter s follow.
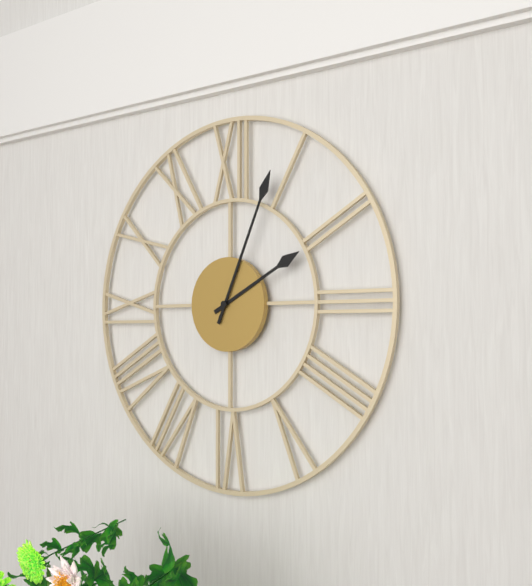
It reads 2h04
